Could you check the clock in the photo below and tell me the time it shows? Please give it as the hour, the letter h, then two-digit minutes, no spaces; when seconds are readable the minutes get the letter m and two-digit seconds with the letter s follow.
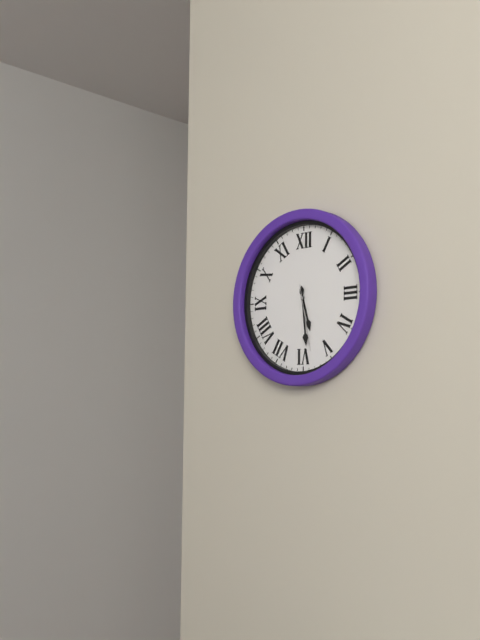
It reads 5h29m28s
